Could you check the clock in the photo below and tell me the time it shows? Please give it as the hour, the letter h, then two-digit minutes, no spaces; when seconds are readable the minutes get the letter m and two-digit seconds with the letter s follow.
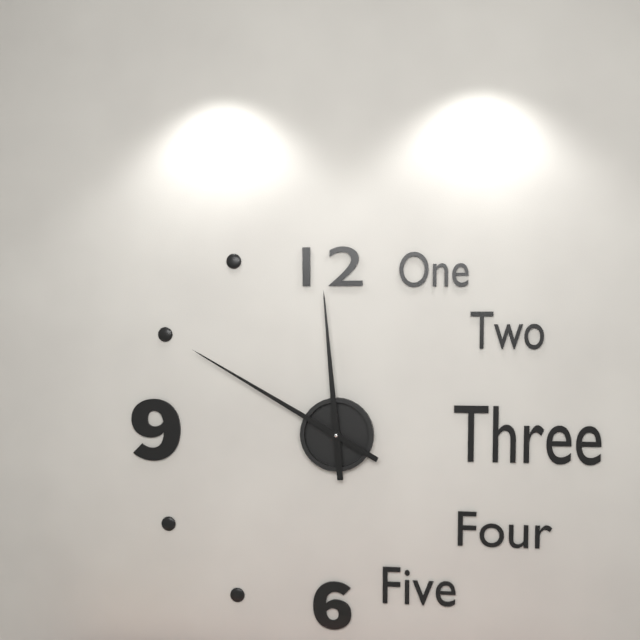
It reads 11h50
